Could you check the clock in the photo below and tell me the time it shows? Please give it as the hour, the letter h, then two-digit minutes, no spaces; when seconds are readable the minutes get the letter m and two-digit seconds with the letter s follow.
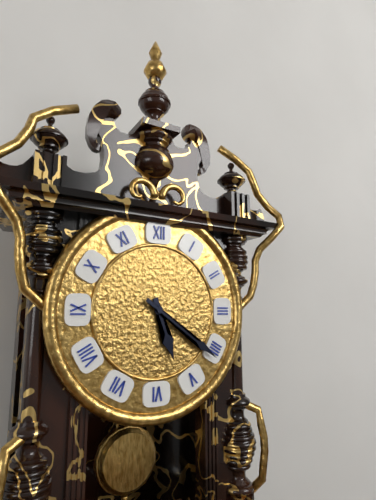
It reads 5h21
